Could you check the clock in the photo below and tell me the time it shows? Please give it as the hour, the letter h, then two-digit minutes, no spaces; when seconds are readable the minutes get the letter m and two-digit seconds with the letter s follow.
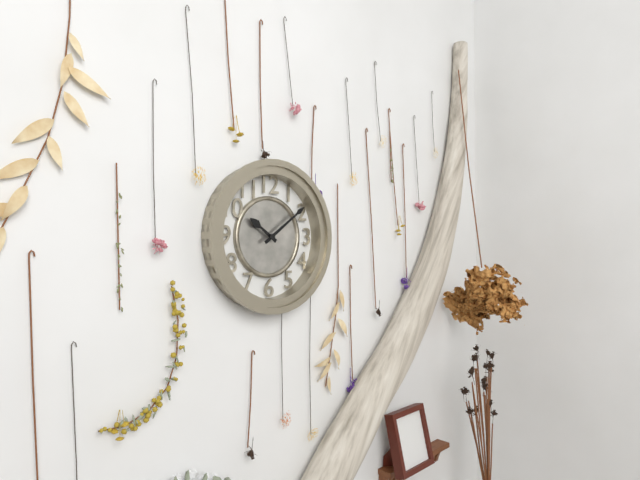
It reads 10h09
